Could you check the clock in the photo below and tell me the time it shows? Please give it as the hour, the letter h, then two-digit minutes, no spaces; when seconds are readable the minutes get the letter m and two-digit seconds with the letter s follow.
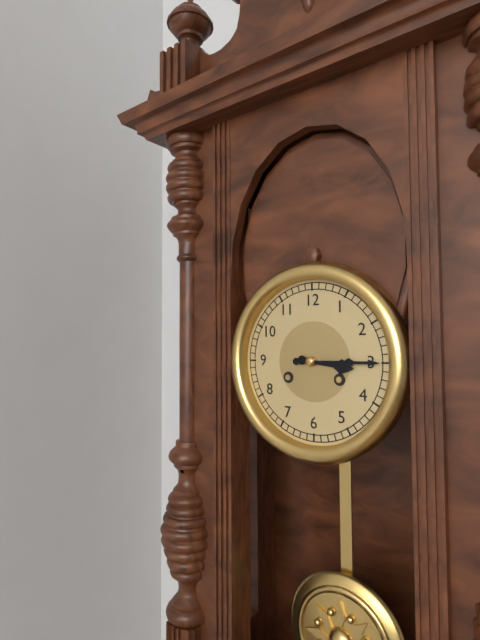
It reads 3h15
